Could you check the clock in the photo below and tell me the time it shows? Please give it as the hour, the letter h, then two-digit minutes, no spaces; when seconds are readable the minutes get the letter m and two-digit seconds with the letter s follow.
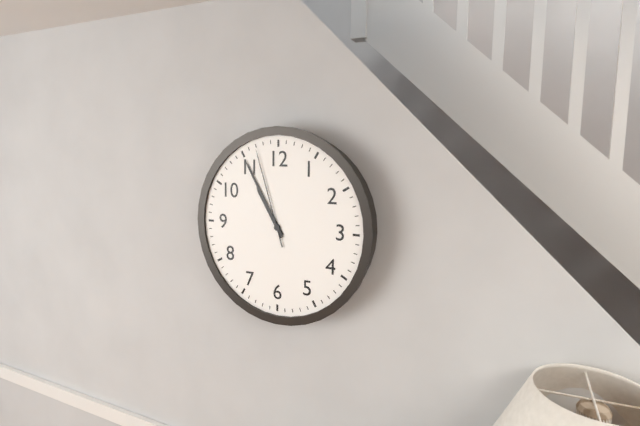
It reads 10h55m57s
